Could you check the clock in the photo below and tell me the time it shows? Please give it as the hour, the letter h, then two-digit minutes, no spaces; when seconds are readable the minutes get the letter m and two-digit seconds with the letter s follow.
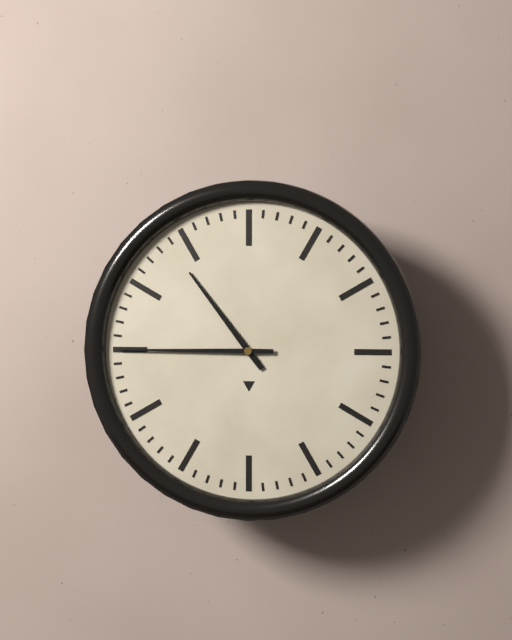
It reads 10h45
